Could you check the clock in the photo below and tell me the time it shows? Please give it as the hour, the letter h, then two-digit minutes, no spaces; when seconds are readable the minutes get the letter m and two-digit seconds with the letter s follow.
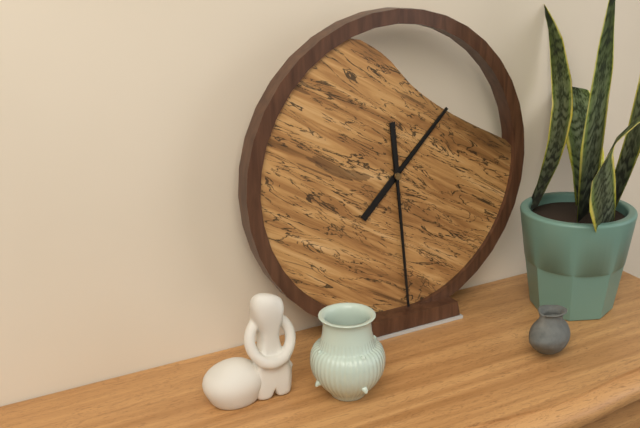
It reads 1h29
